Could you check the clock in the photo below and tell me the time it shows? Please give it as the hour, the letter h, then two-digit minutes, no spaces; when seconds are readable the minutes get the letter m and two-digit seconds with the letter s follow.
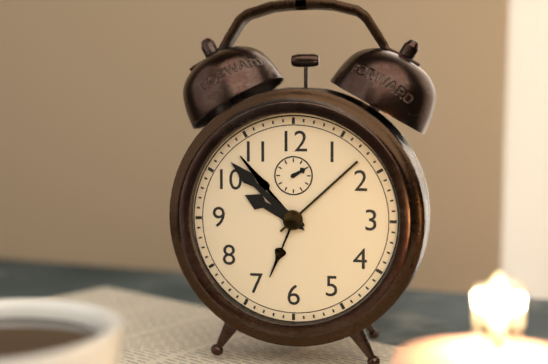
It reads 9h52
